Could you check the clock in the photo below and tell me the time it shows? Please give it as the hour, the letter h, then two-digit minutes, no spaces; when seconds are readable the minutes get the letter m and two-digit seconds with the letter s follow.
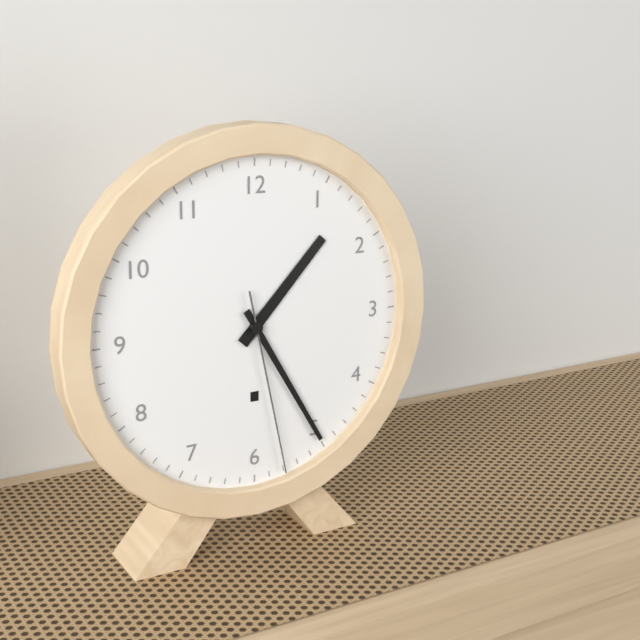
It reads 1h25m28s
